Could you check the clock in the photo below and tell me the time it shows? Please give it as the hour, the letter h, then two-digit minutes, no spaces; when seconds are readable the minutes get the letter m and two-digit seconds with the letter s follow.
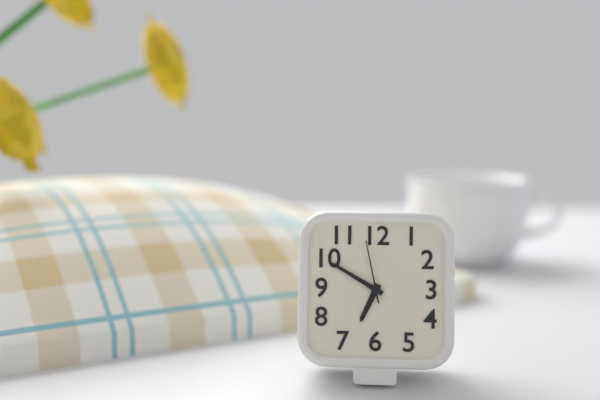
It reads 6h50m58s
